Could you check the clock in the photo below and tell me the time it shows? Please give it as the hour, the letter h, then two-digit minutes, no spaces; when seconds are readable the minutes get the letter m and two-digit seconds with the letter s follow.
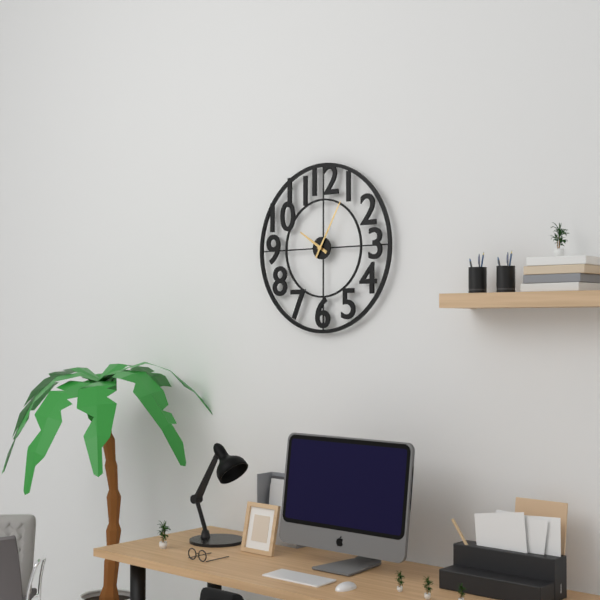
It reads 10h05
